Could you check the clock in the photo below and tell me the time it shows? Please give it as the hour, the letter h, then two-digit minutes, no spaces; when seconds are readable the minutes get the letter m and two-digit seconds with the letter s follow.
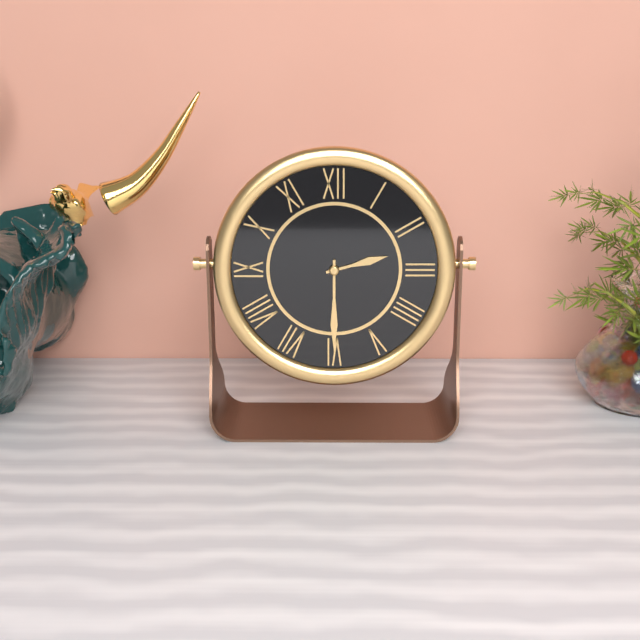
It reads 2h30
